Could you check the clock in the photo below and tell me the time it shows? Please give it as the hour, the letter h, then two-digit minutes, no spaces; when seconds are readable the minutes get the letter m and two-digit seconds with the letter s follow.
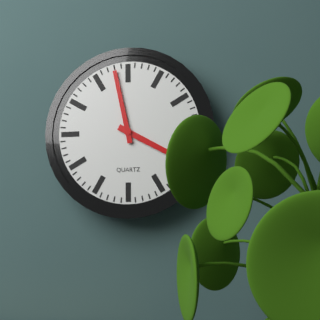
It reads 3h58
